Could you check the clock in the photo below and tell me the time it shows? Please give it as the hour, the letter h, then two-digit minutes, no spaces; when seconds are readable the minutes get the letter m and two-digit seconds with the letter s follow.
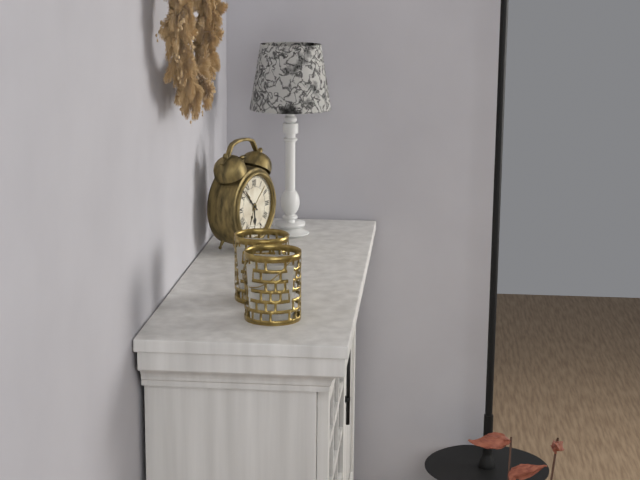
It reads 5h52
